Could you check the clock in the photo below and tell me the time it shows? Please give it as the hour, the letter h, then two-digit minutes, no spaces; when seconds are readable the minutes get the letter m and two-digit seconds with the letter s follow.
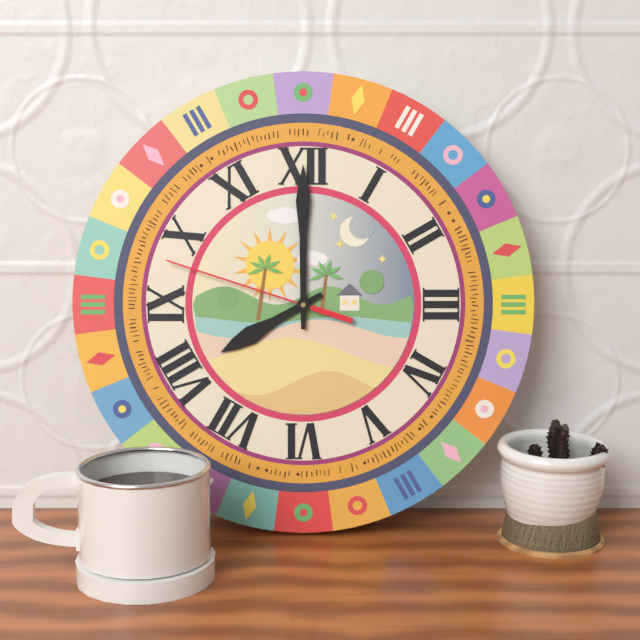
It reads 8h00m48s
